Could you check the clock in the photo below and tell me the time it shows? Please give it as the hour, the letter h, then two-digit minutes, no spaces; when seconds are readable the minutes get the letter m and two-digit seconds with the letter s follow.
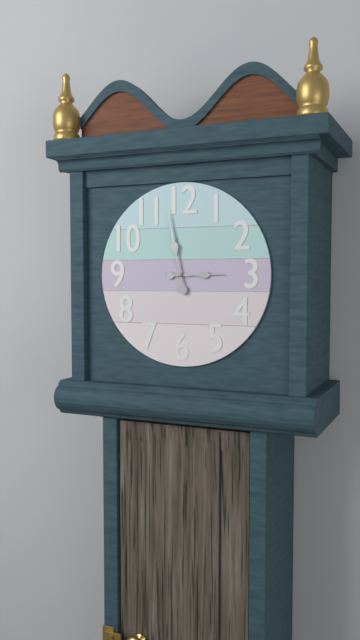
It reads 2h58
